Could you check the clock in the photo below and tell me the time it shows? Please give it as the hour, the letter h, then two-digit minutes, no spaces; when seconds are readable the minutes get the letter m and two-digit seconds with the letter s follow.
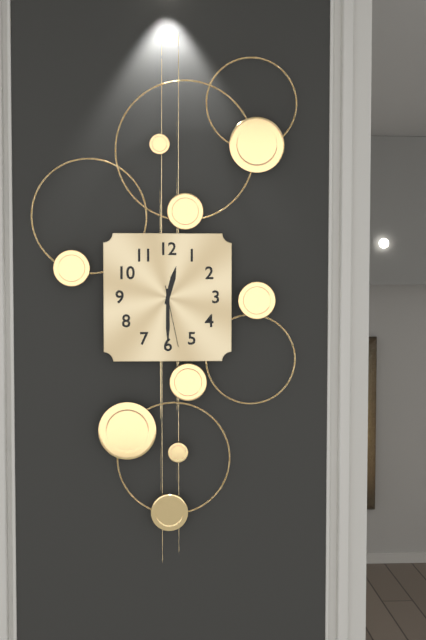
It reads 12h30m28s
